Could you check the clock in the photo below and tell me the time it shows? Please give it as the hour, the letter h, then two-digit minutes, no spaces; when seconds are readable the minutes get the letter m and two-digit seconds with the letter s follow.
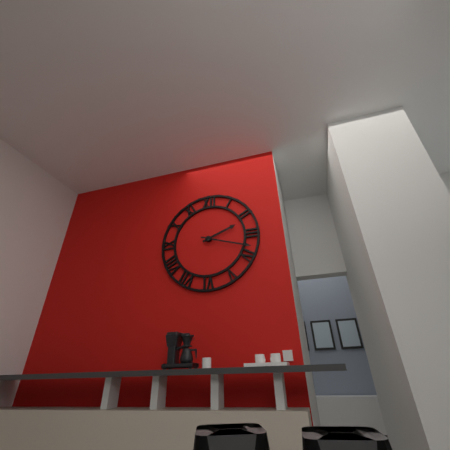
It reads 2h18
